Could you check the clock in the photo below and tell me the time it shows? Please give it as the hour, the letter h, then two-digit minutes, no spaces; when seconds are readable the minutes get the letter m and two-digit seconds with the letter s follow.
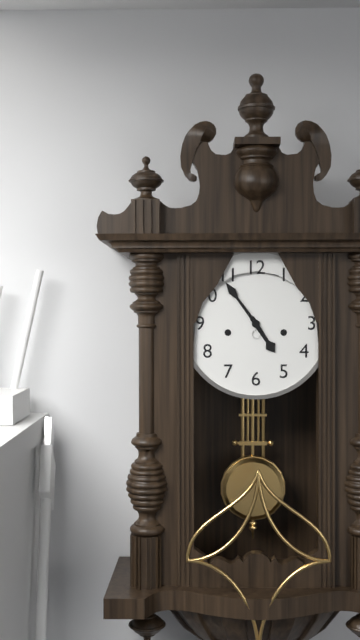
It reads 4h54
